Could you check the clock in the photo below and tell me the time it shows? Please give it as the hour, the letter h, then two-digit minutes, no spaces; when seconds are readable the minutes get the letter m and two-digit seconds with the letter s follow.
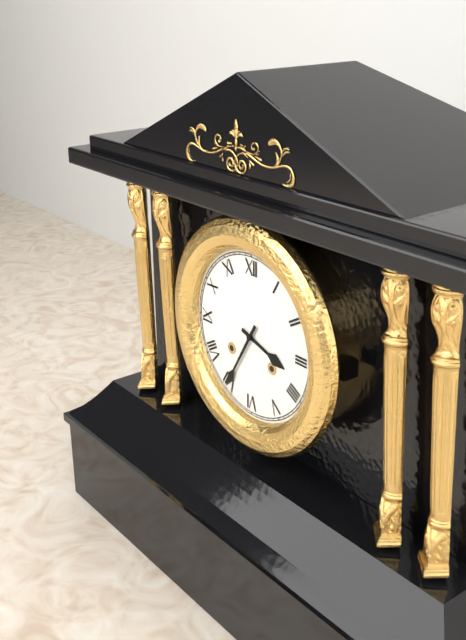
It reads 3h35
